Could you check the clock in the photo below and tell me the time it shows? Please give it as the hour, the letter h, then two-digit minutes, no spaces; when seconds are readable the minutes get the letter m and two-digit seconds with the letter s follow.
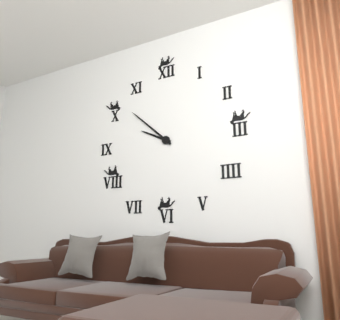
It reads 9h52
